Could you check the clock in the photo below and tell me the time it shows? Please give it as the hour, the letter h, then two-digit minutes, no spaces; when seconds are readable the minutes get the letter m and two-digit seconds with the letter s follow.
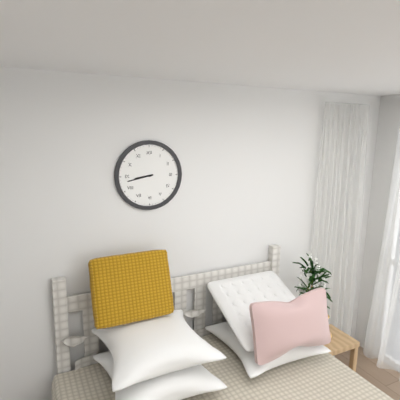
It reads 8h43
